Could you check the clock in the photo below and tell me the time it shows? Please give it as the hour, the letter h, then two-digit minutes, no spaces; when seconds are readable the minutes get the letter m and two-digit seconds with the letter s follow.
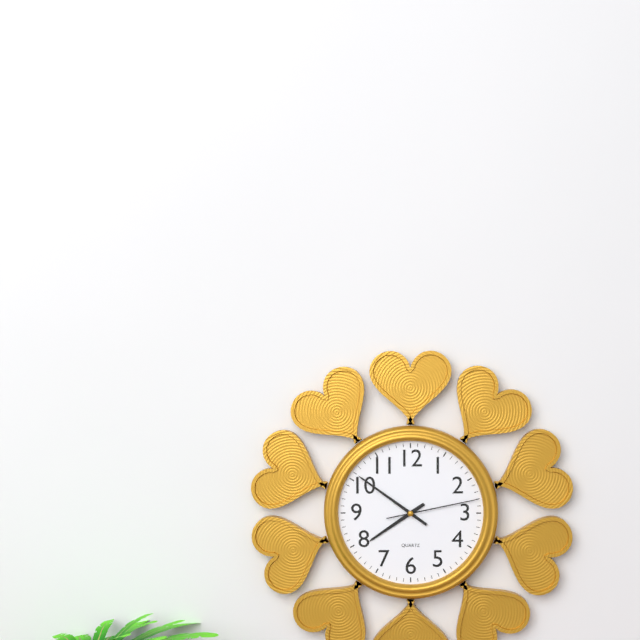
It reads 7h51m13s
